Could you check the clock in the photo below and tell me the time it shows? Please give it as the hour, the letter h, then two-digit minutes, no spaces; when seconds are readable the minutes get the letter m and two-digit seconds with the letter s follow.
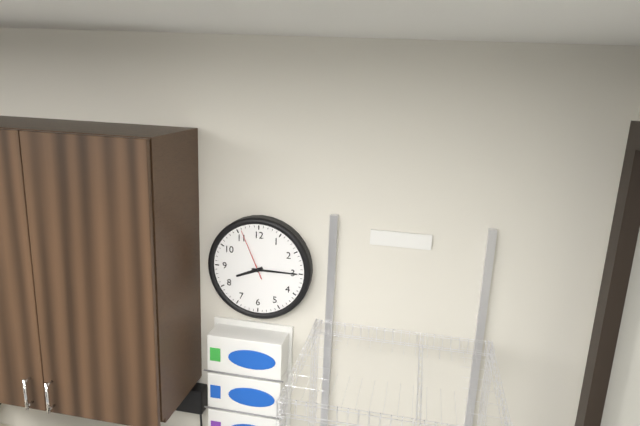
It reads 8h15m56s
